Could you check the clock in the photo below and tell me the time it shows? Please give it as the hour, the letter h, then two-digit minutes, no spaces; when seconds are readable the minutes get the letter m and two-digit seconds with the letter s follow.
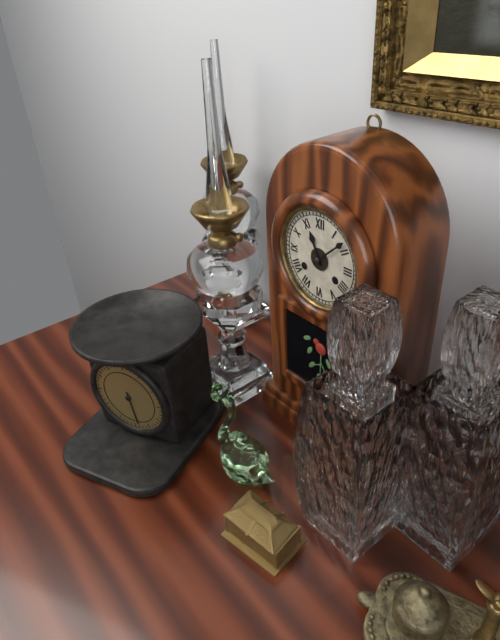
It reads 11h08
